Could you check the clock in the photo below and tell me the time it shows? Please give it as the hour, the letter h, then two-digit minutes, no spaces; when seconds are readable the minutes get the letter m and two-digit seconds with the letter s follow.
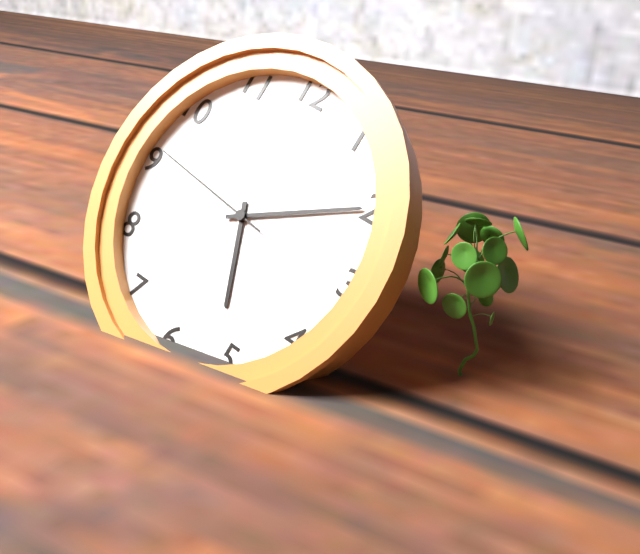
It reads 5h10m46s
